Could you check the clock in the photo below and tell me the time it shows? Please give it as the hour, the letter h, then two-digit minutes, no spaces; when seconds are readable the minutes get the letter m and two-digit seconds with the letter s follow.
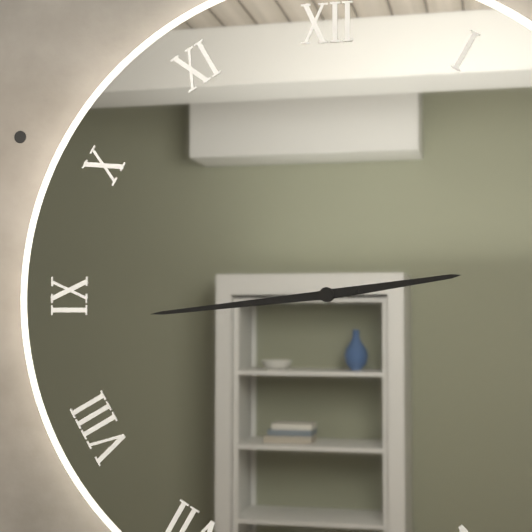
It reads 2h44
